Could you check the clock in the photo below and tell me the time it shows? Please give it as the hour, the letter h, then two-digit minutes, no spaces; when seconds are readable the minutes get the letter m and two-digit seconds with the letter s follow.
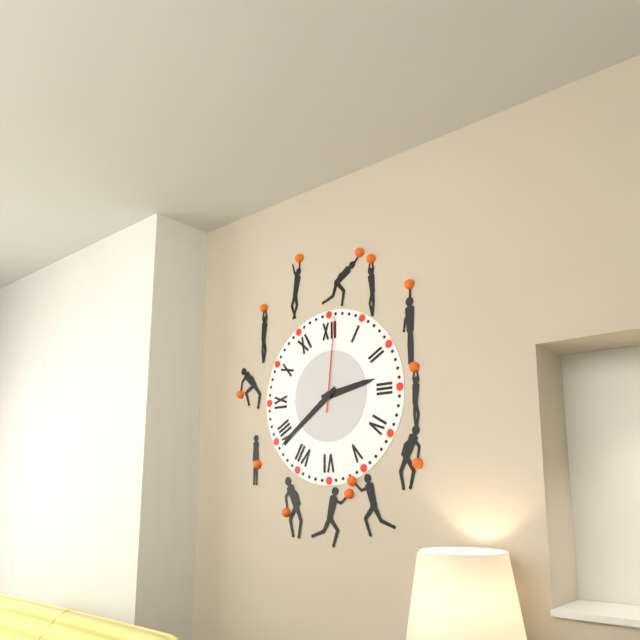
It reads 2h39m01s
